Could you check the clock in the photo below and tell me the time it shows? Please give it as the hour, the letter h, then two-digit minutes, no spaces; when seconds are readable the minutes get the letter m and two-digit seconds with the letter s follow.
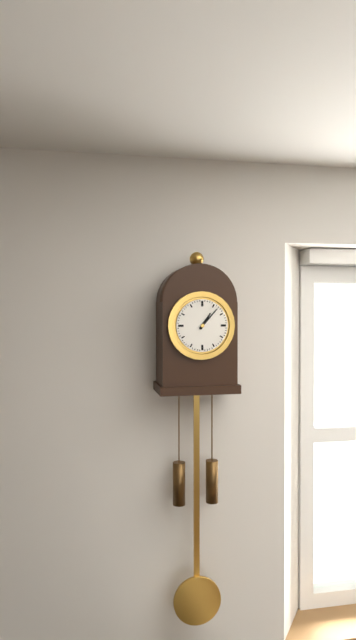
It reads 1h07
